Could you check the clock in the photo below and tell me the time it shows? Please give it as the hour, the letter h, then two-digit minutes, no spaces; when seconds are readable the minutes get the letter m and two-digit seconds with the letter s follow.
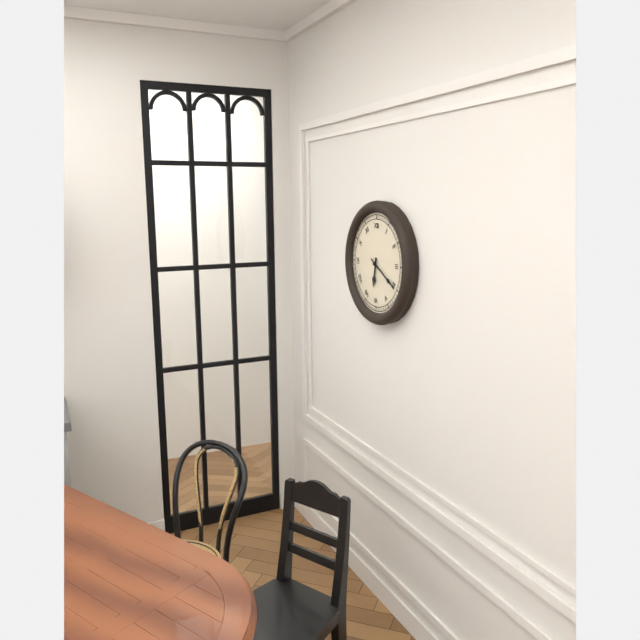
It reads 6h20
